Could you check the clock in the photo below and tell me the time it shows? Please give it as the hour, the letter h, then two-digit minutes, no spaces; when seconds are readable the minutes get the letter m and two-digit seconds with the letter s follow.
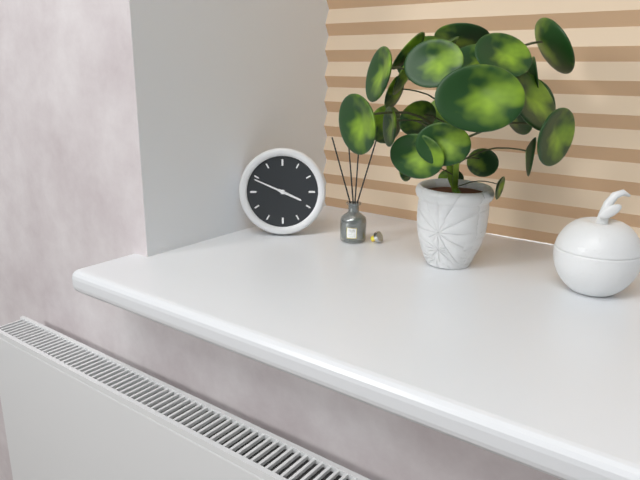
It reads 3h49
